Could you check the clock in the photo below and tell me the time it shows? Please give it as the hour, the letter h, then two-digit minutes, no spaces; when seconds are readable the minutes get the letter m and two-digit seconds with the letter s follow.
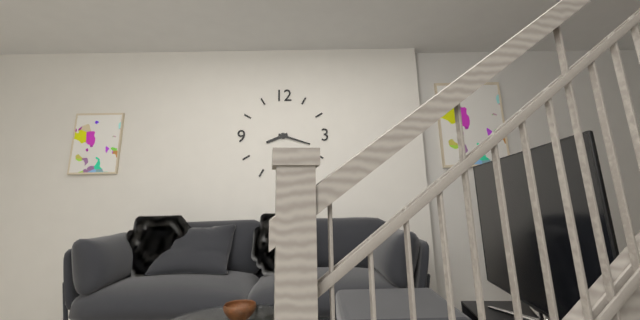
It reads 8h18
